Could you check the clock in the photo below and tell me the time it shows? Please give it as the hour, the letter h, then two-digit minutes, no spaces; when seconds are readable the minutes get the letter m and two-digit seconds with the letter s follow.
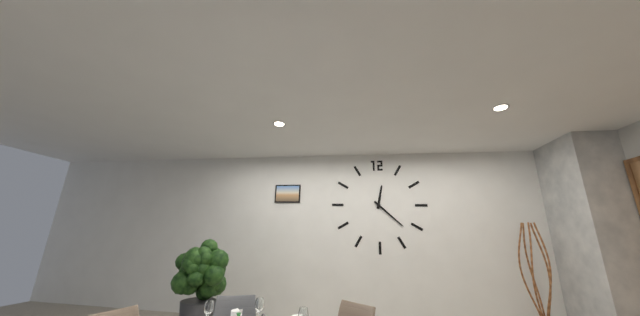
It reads 12h22
